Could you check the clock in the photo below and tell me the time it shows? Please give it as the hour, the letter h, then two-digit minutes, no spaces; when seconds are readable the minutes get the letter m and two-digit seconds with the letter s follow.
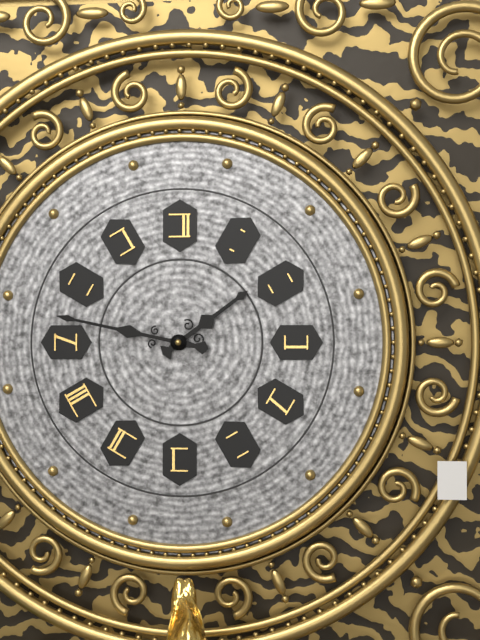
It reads 1h47
